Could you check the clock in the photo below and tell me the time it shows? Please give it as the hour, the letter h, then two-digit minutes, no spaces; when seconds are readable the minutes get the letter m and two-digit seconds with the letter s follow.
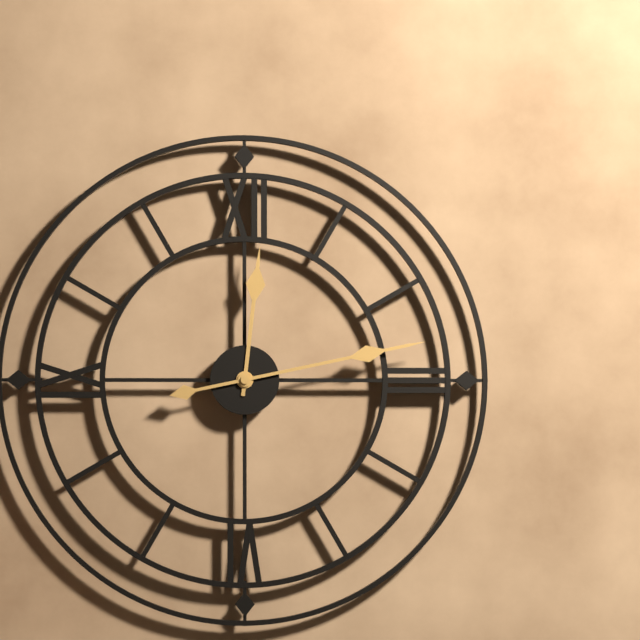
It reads 12h13
